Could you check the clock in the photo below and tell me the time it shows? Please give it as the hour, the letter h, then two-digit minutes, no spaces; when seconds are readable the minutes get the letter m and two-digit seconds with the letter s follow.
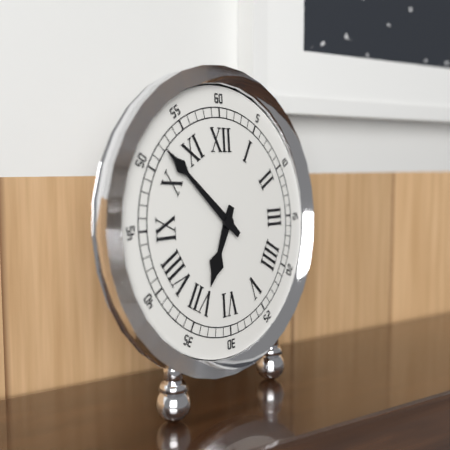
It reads 6h52
